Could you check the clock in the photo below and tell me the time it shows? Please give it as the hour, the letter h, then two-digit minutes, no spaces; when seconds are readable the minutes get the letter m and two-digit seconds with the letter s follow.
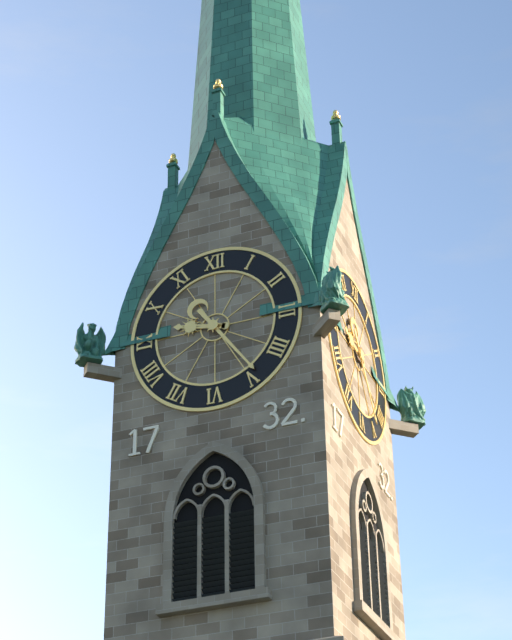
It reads 9h24
